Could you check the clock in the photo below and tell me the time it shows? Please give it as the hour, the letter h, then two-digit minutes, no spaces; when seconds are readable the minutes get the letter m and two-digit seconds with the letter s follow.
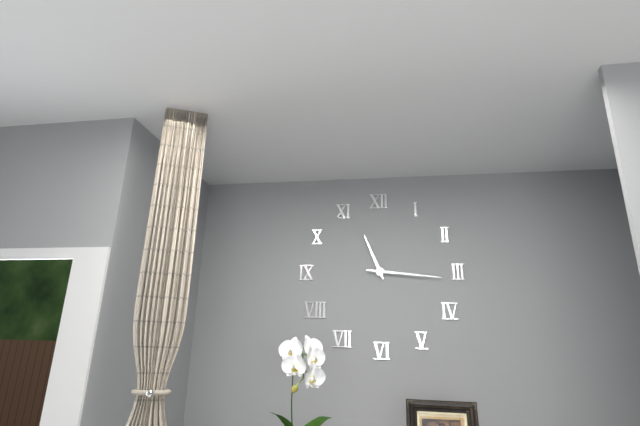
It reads 11h16
